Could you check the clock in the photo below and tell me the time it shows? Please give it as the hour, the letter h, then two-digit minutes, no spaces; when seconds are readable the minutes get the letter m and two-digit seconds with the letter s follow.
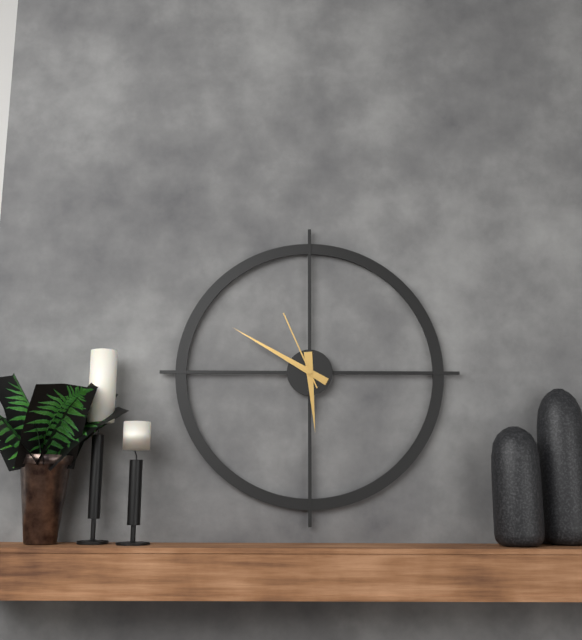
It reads 5h50m56s
